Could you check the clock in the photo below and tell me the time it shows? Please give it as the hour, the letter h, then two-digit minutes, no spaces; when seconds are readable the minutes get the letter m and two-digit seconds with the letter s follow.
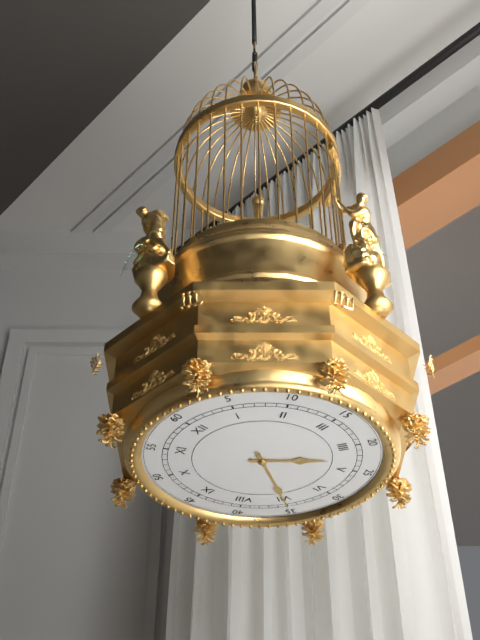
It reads 4h35
